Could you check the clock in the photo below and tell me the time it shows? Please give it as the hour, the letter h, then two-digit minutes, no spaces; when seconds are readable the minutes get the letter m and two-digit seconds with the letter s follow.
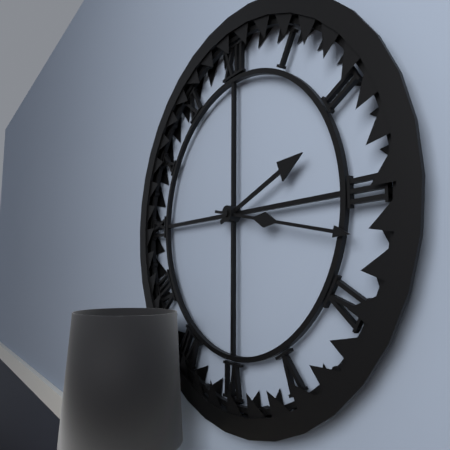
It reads 2h17
